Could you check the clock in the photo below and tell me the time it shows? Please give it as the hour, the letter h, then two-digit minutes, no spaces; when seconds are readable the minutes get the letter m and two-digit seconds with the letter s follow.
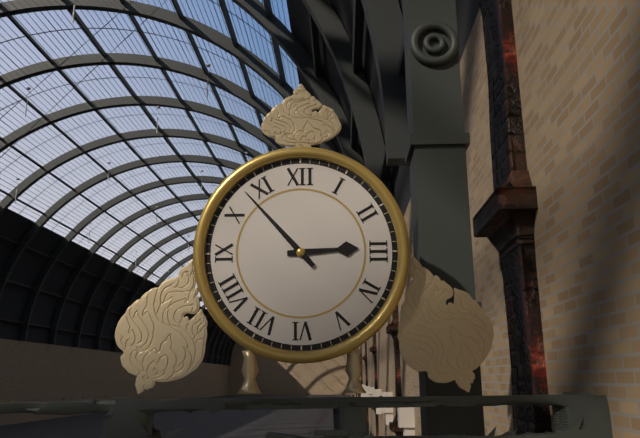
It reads 2h53
